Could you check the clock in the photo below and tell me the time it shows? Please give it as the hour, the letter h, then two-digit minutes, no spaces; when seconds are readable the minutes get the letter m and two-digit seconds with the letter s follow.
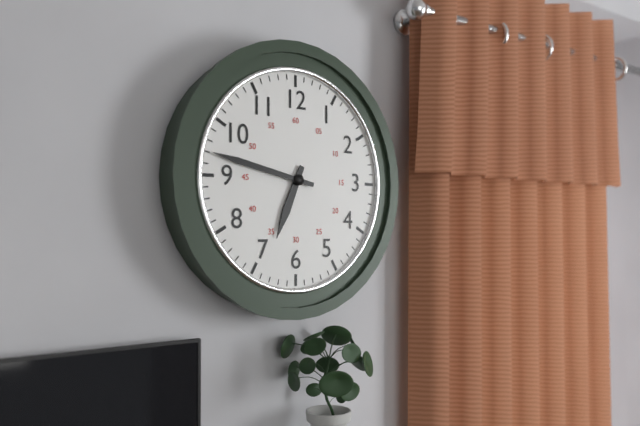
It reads 6h47
